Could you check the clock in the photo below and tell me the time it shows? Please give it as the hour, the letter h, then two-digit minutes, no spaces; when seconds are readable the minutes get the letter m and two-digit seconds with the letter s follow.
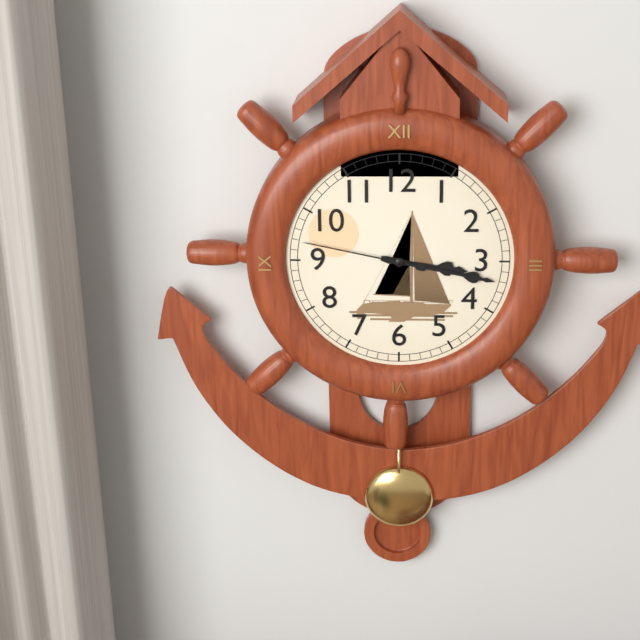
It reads 3h17m47s
